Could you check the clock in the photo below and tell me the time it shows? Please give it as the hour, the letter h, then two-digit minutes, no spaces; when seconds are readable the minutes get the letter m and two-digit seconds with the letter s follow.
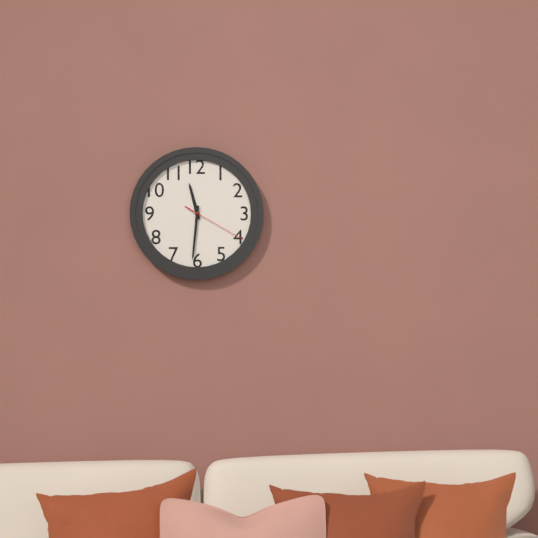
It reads 11h31m20s
